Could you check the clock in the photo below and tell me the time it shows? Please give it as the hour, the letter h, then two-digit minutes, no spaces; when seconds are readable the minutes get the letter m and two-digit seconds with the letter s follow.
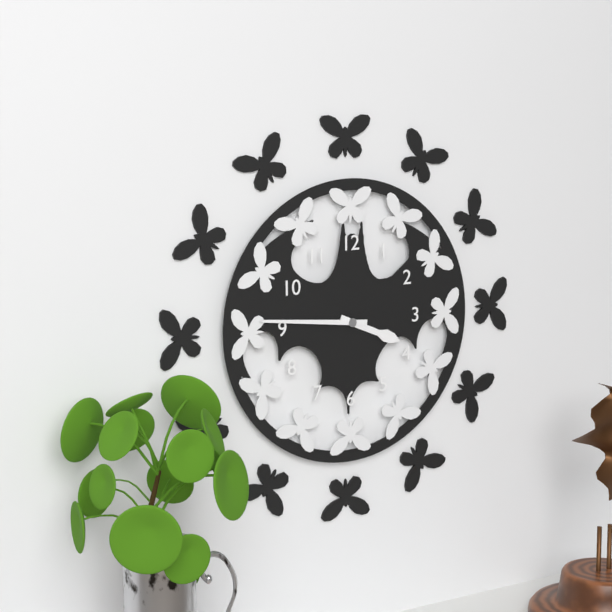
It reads 3h46
